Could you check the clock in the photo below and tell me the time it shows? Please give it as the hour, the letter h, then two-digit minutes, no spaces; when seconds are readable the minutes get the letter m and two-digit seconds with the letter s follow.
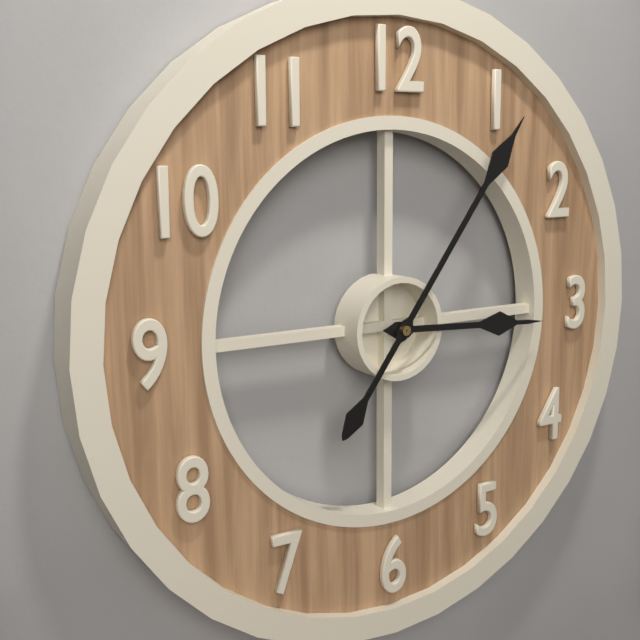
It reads 3h06
